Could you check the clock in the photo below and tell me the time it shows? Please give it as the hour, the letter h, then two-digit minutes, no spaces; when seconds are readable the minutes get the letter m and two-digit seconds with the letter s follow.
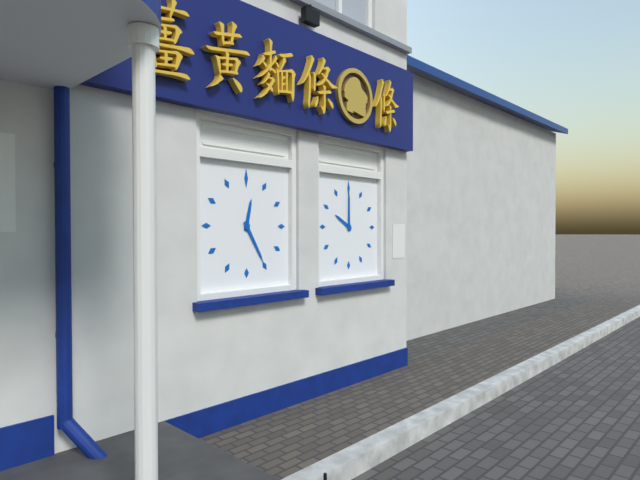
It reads 12h25
